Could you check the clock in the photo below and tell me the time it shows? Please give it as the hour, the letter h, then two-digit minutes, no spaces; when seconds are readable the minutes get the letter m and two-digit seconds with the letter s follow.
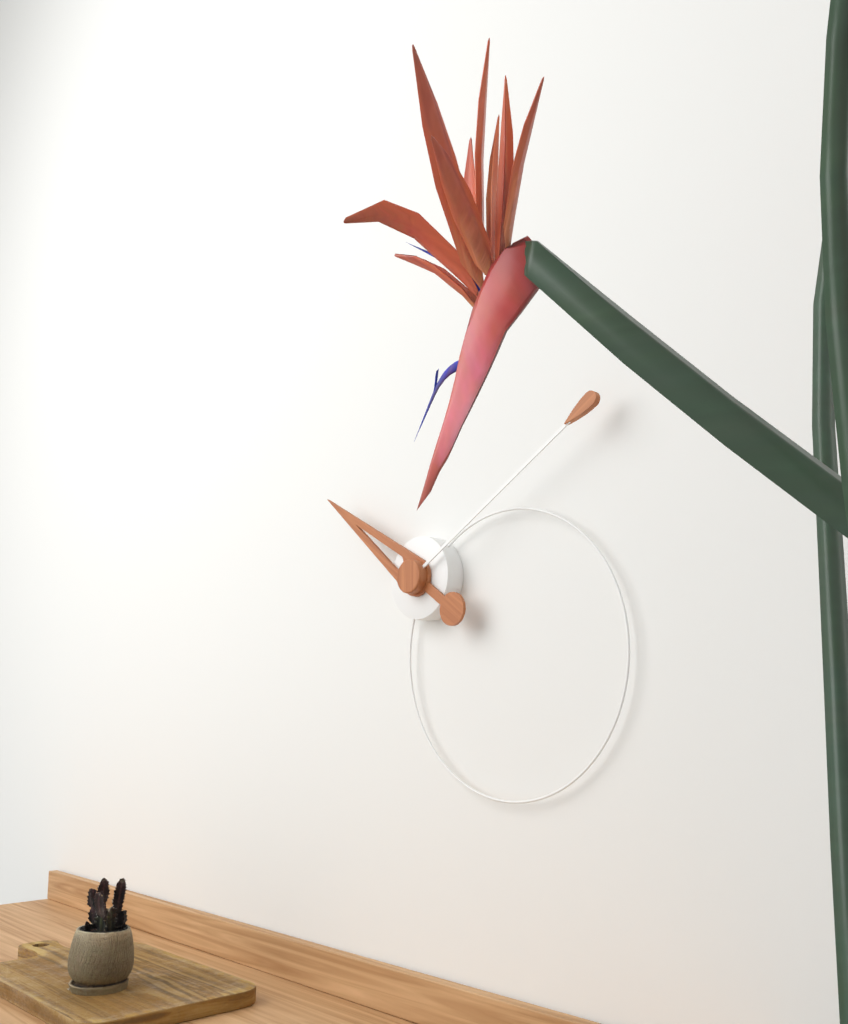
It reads 10h10
